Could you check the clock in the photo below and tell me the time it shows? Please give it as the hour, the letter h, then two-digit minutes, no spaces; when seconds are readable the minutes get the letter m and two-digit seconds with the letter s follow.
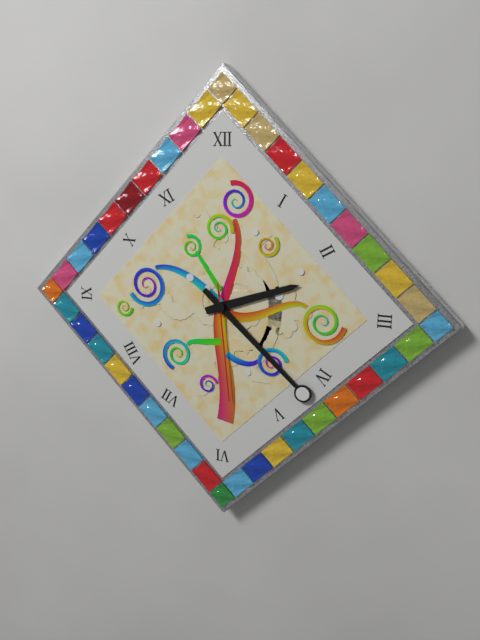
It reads 2h22m29s
